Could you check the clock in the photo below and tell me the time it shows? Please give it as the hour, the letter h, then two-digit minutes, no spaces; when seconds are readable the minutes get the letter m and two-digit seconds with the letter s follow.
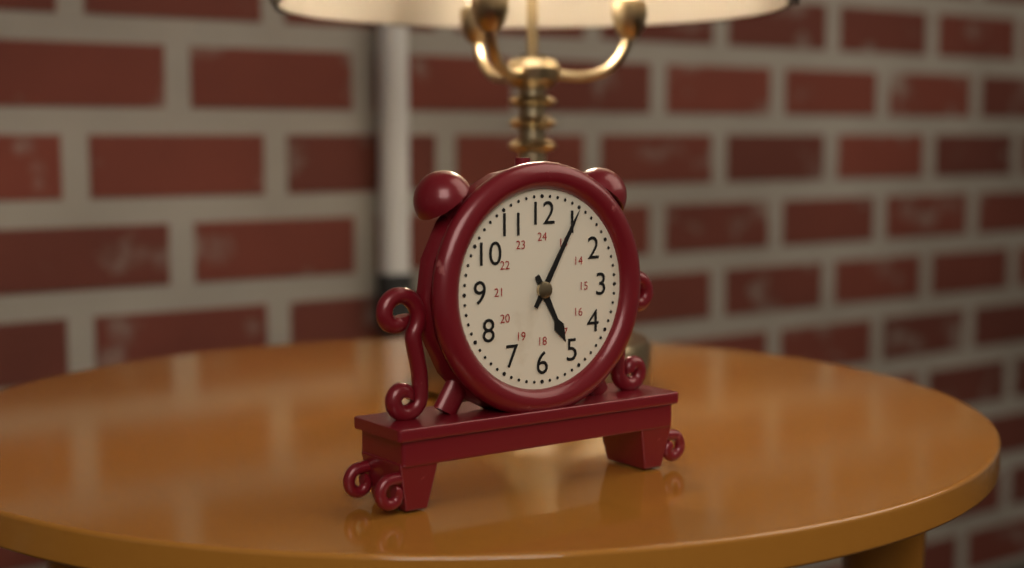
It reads 5h05
